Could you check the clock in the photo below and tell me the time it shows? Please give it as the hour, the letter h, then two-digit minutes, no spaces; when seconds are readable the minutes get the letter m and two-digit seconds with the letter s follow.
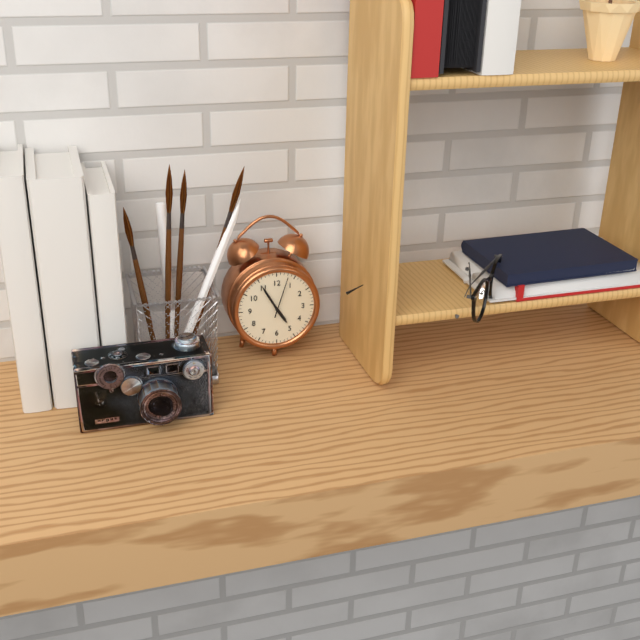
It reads 4h55
